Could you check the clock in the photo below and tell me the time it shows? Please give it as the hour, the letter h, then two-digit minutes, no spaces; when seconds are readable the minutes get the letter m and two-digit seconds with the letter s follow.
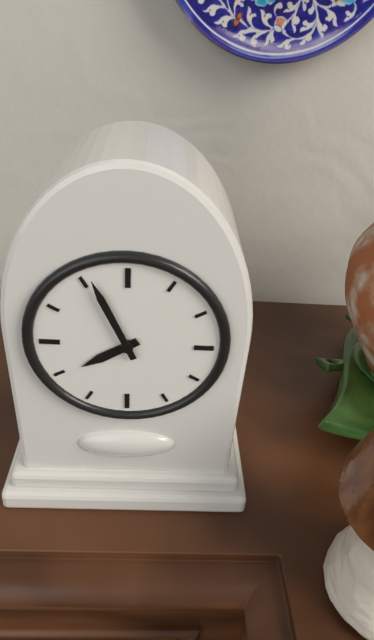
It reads 7h56
